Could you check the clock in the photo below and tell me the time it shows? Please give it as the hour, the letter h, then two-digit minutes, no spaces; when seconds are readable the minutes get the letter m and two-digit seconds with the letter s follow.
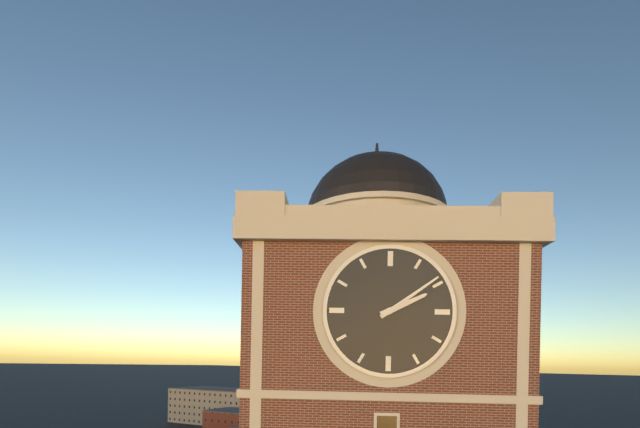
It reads 2h09
